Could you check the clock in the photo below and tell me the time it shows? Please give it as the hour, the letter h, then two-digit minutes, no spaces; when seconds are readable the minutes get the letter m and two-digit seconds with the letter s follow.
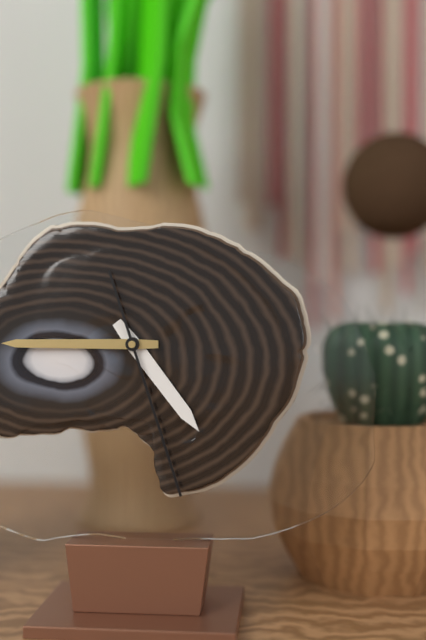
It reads 4h45m27s
